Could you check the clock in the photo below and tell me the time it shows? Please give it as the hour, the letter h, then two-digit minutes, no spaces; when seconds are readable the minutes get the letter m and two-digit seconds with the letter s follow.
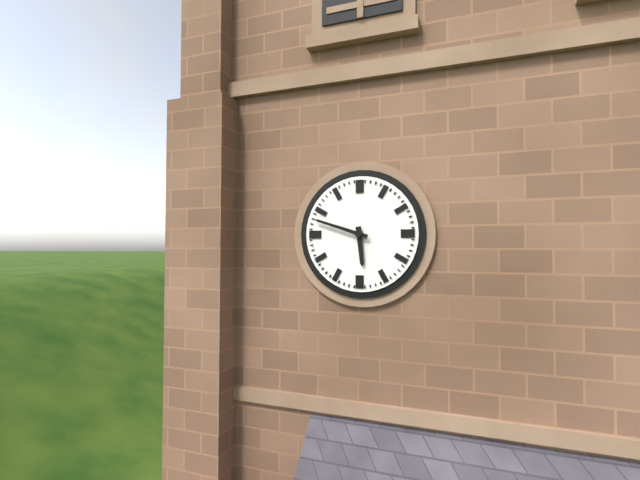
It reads 5h48
